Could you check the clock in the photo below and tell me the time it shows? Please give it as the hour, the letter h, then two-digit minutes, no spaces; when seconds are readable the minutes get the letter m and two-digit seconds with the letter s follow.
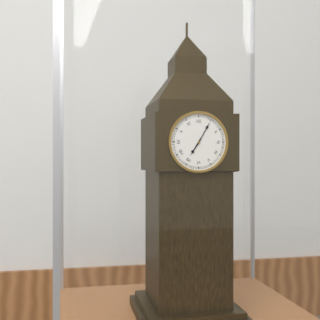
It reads 7h05
